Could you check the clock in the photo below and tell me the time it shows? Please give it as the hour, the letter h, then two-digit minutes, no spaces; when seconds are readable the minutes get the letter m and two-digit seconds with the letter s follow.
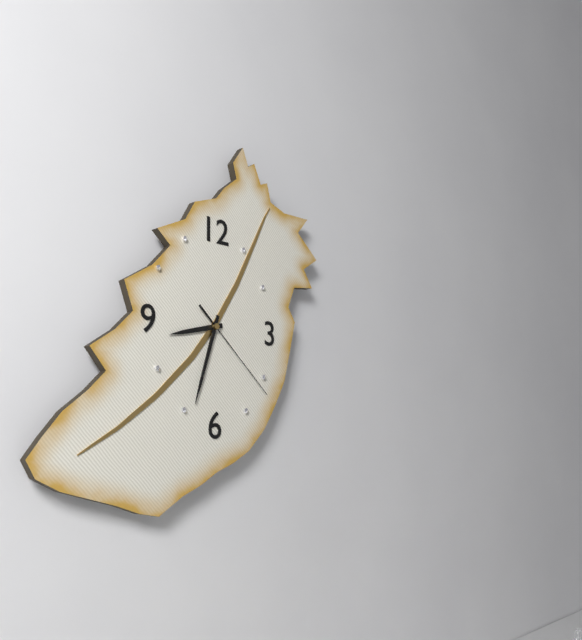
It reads 8h33m22s
